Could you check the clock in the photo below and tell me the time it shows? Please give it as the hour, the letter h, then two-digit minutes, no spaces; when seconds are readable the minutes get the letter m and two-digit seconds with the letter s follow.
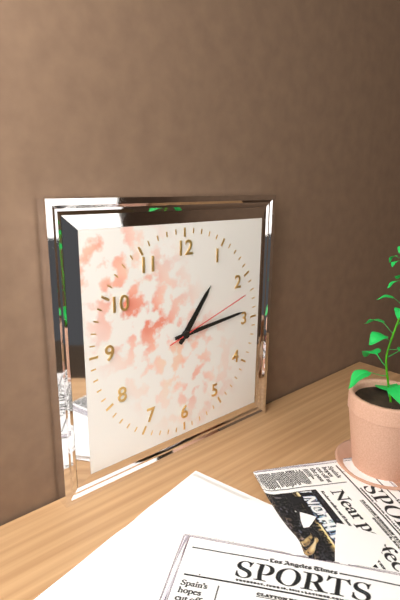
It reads 1h14m12s
